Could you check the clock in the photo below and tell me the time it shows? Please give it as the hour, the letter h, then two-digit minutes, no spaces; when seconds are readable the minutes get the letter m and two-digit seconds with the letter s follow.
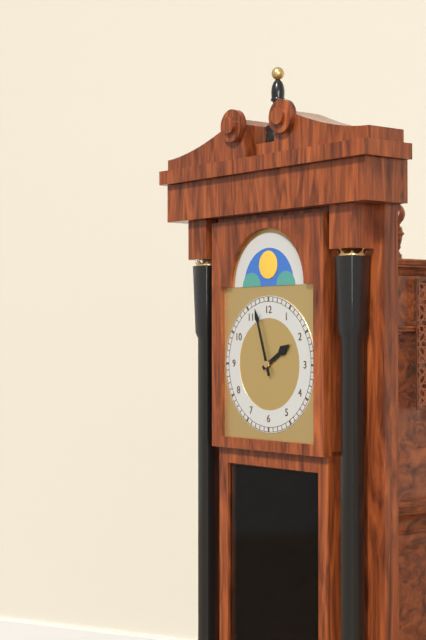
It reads 1h57
